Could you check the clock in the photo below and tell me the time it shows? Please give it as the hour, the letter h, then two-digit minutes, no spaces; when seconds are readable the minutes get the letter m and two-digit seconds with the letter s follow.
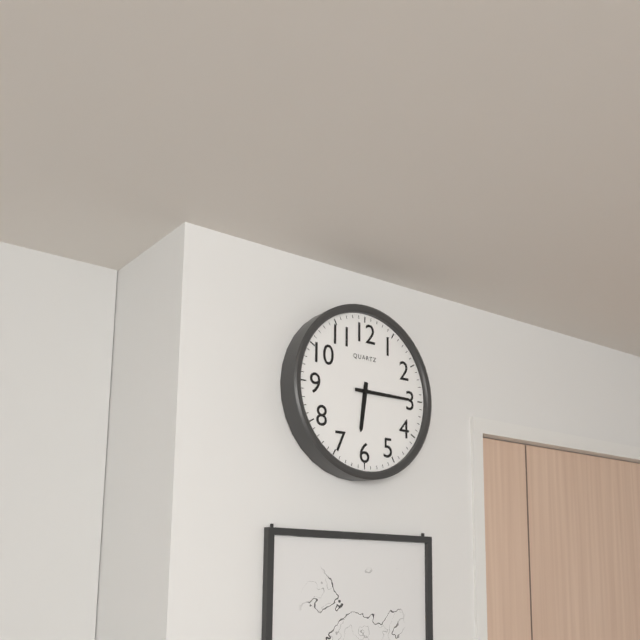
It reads 6h15
